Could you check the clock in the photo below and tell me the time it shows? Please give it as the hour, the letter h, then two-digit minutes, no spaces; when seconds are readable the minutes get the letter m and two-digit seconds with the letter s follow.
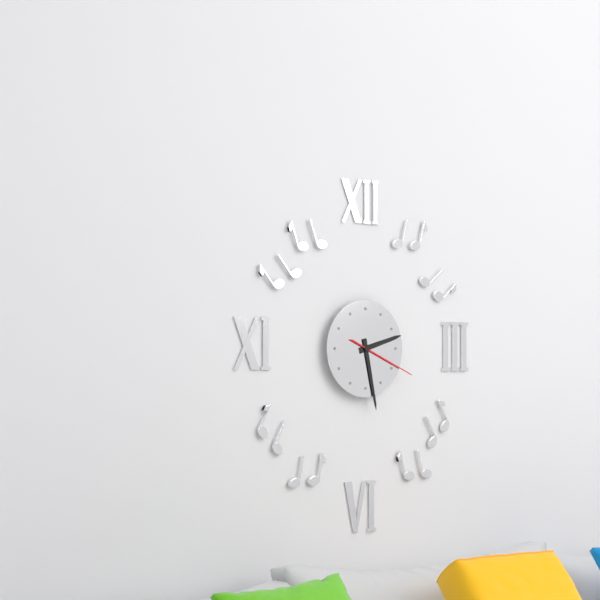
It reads 2h28m19s
